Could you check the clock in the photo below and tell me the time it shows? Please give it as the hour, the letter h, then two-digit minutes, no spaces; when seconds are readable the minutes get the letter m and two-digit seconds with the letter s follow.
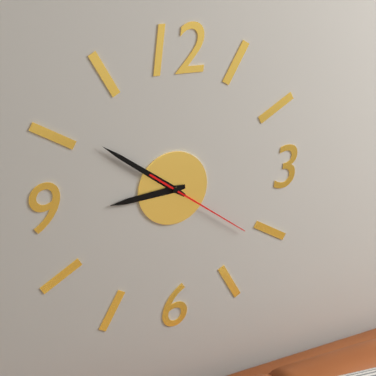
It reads 8h51m21s
